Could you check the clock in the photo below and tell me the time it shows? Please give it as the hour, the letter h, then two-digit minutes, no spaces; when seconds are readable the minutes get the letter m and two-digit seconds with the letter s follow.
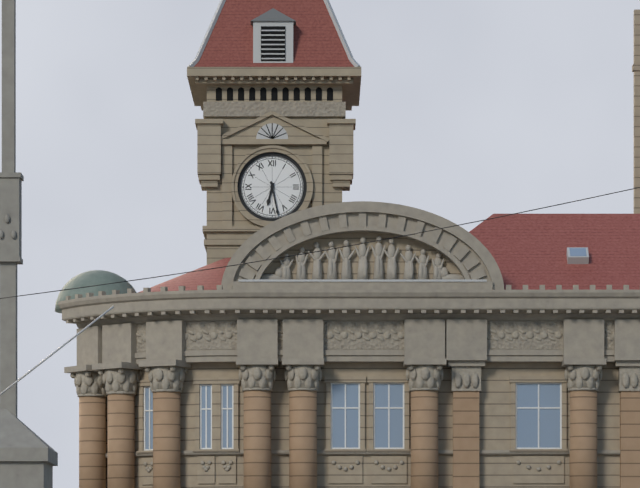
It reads 6h28
